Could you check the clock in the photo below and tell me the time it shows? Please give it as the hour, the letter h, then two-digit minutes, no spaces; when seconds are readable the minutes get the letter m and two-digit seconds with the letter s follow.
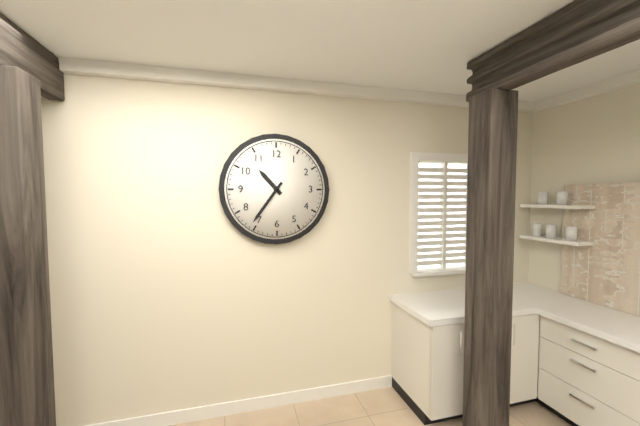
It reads 10h36
